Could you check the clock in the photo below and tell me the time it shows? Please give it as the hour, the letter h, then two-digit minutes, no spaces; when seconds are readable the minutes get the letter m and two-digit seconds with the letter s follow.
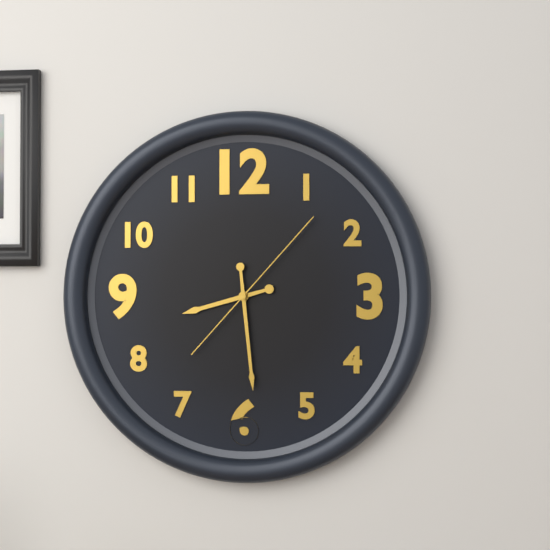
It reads 8h29m07s
